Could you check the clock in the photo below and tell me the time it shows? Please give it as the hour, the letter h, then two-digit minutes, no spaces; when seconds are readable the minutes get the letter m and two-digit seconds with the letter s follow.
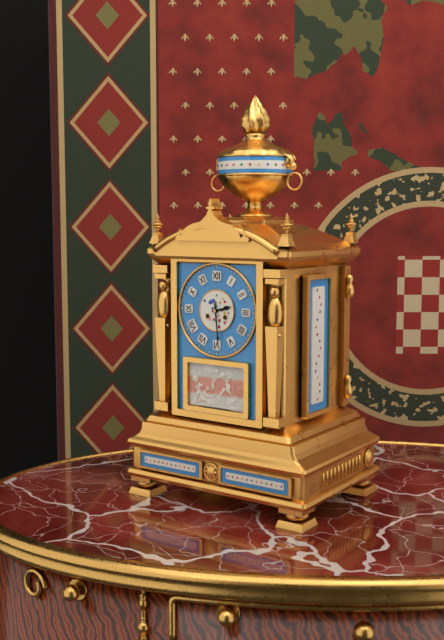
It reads 2h29
